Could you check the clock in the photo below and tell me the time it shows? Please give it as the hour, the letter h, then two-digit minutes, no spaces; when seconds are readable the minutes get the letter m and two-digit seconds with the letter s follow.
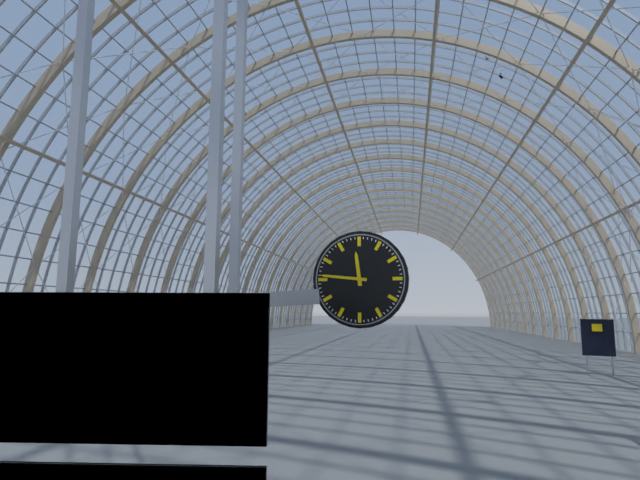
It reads 11h46
